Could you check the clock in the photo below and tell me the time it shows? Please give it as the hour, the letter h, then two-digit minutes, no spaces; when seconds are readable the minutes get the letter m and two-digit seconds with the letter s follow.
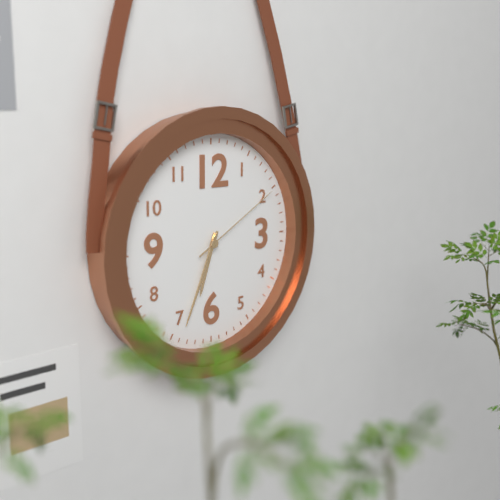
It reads 6h34m10s
